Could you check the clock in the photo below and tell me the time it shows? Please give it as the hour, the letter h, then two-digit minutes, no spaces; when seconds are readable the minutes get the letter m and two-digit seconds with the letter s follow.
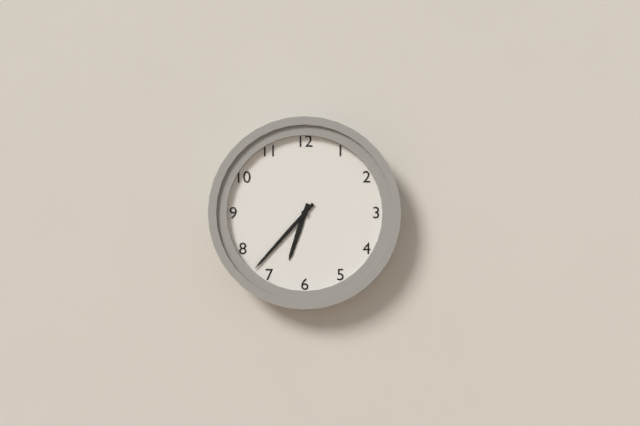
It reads 6h37
